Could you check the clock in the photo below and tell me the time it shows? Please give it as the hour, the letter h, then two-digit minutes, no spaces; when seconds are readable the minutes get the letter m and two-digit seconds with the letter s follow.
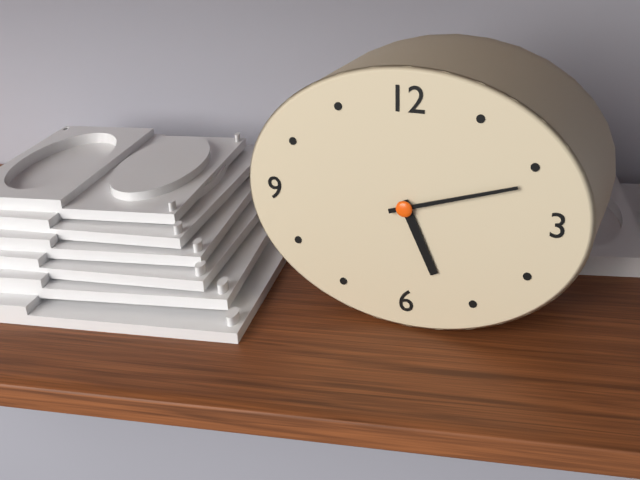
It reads 5h12
